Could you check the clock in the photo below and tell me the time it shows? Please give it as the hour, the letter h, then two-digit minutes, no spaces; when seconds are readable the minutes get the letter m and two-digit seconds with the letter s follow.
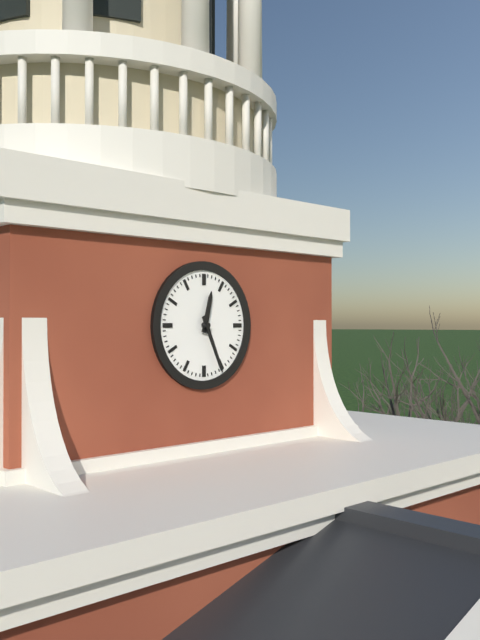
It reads 12h26
